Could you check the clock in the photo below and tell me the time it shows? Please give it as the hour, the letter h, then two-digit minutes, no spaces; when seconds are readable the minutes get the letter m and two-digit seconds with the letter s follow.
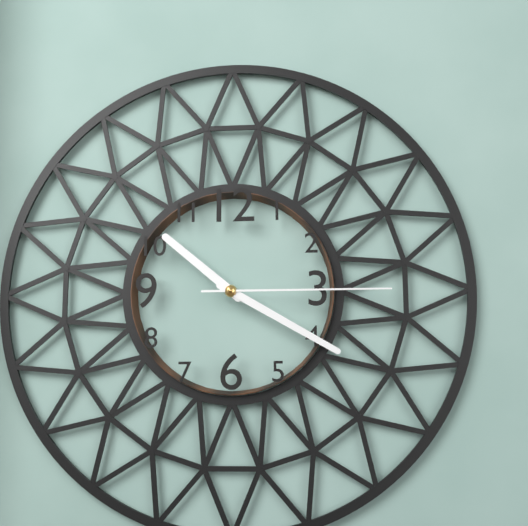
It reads 10h20m15s
